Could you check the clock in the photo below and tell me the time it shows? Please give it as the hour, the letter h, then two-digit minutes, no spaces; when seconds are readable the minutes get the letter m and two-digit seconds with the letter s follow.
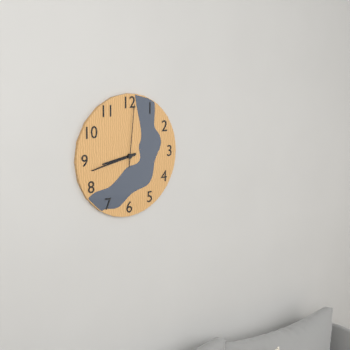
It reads 8h43m01s
